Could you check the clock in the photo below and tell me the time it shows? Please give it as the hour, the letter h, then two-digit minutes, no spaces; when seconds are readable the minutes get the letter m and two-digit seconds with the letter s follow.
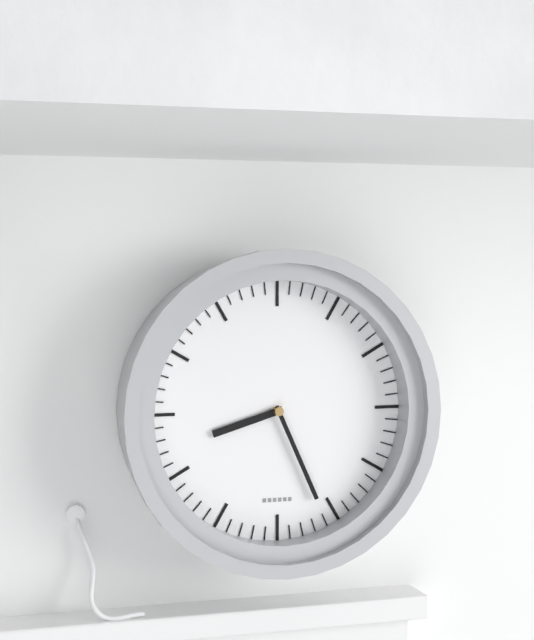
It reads 8h26
